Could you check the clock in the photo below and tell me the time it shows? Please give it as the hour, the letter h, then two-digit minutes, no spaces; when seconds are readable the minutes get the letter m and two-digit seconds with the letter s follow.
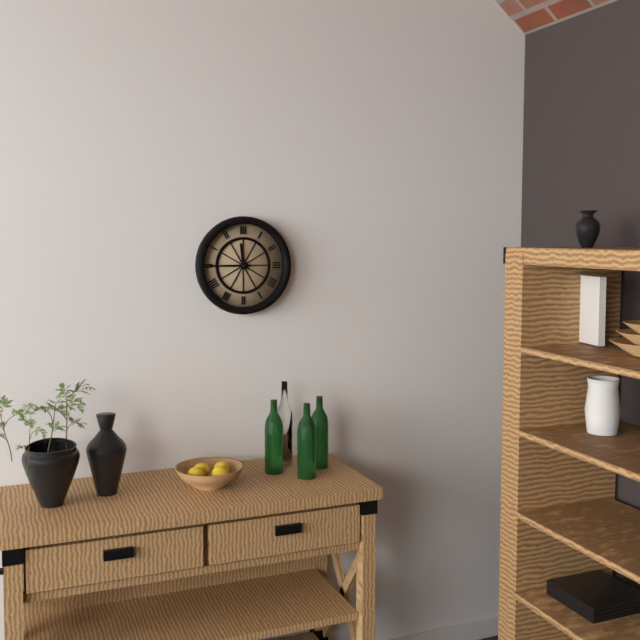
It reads 11h45
